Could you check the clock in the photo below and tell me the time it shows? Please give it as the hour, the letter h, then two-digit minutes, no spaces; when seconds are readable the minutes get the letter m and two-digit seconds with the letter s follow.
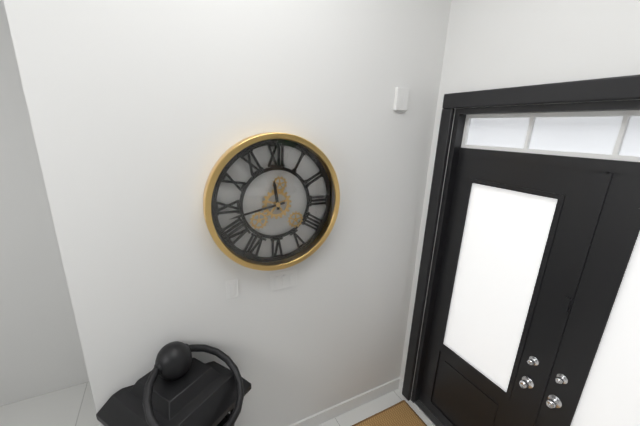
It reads 11h43
